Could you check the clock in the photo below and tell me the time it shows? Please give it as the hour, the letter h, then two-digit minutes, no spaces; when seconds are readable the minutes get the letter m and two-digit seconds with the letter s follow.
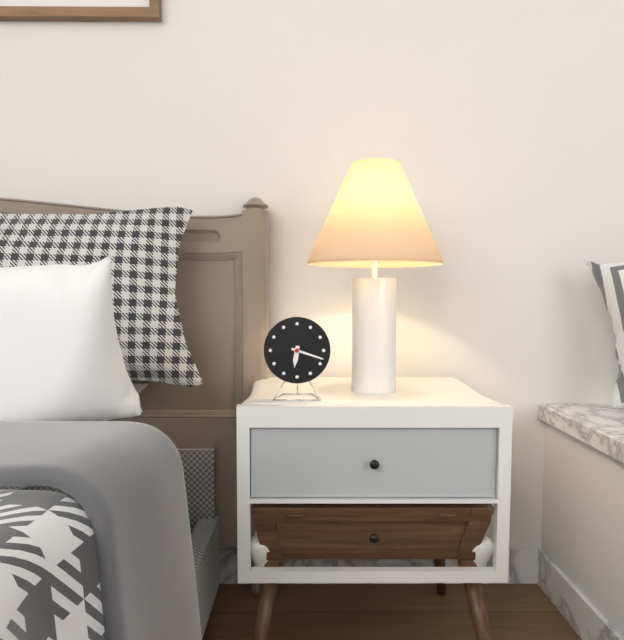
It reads 6h18
